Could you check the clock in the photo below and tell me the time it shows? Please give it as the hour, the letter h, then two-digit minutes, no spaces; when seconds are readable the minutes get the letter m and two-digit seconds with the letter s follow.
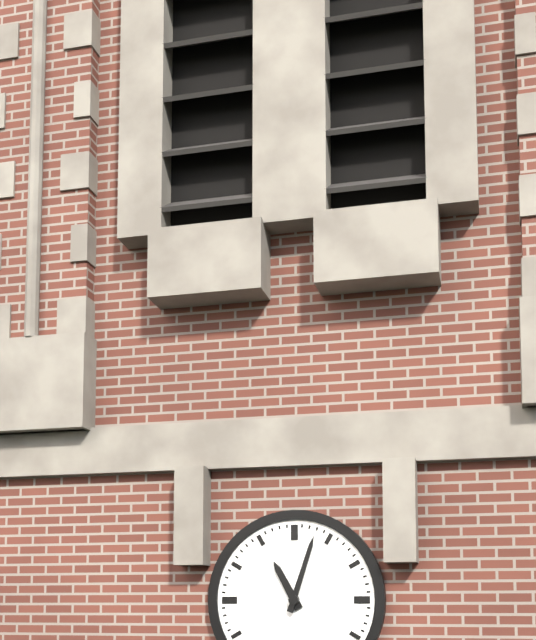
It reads 11h03
